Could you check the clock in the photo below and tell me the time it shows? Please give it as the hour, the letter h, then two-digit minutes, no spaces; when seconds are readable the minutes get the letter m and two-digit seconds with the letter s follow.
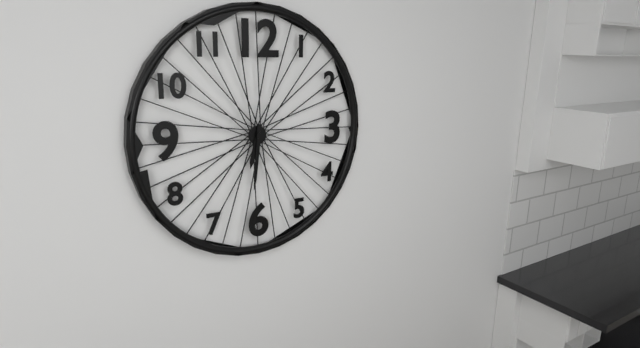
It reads 6h31
